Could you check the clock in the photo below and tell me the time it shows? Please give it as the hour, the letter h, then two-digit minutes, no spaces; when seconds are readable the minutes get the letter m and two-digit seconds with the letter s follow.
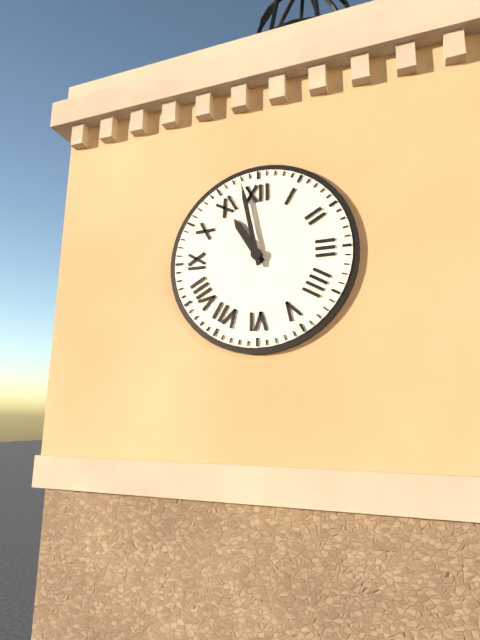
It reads 10h58
